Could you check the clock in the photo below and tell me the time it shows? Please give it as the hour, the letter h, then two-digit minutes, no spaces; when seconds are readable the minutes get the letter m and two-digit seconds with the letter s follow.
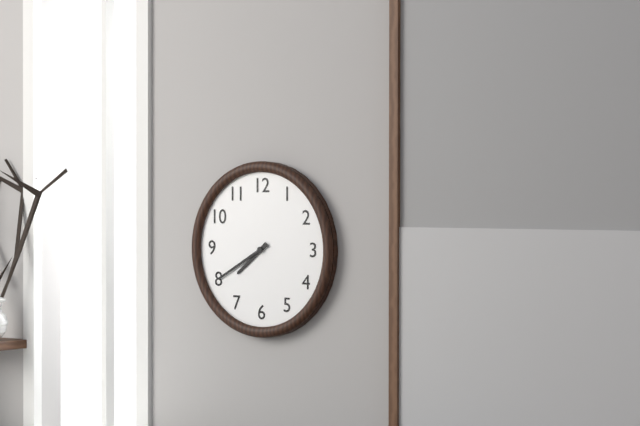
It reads 7h40
